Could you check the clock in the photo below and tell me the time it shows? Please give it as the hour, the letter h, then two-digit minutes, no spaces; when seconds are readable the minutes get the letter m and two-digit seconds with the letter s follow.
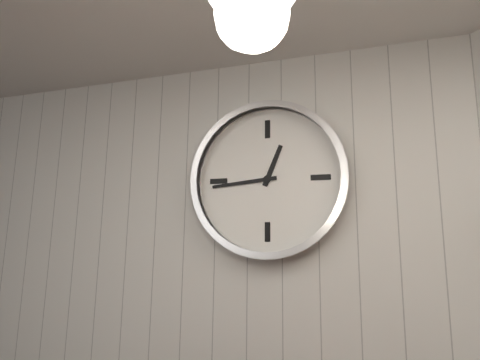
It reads 12h44
